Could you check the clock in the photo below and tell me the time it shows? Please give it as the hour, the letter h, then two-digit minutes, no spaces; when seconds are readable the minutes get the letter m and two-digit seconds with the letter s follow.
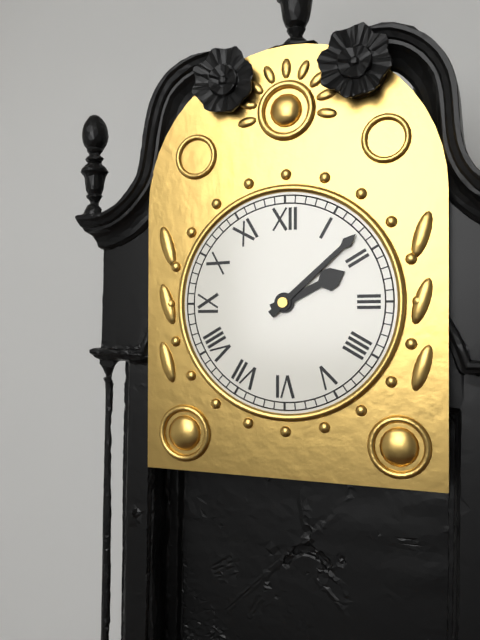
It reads 2h08
